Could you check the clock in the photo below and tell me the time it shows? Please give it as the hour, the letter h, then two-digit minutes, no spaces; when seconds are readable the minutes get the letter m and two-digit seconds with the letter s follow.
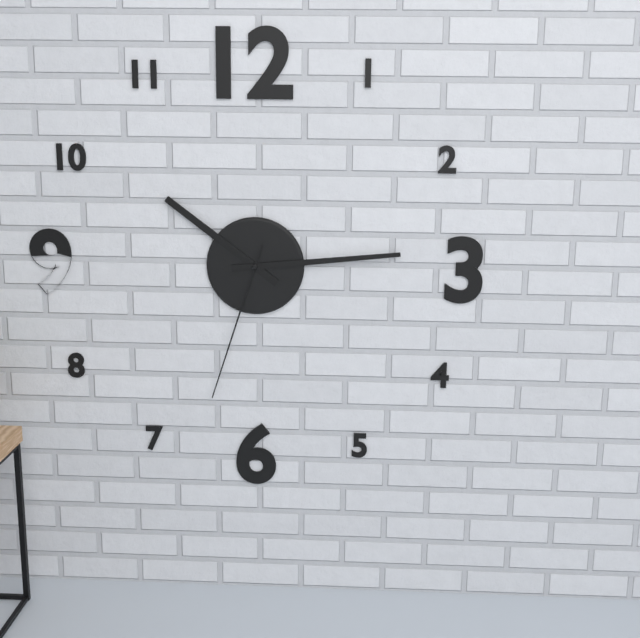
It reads 10h14m33s
